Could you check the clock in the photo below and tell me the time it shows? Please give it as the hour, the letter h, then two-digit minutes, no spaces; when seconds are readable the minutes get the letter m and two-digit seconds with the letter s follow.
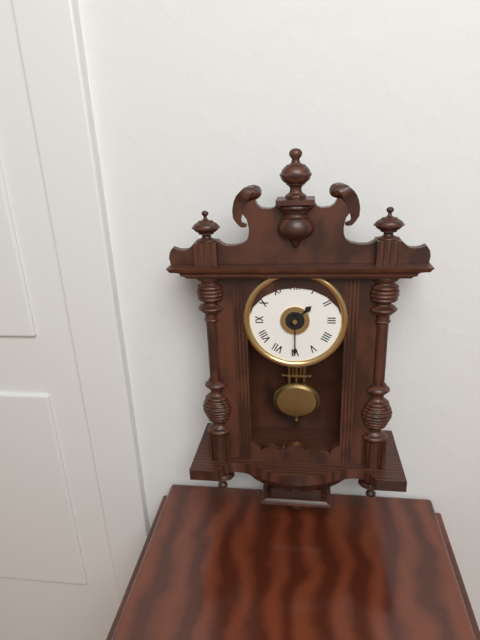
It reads 1h30
